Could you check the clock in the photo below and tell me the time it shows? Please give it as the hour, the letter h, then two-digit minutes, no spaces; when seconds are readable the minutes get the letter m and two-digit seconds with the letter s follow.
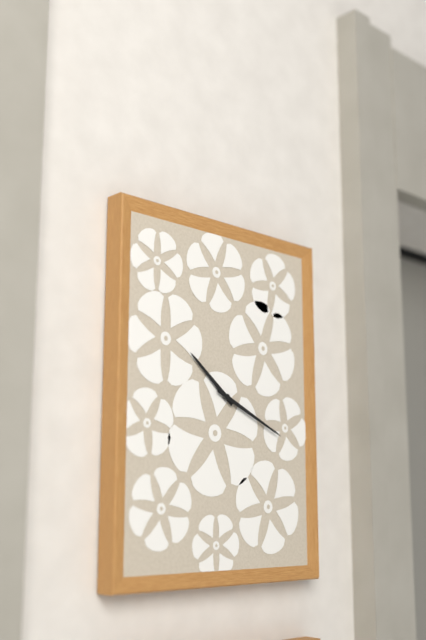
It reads 10h19
